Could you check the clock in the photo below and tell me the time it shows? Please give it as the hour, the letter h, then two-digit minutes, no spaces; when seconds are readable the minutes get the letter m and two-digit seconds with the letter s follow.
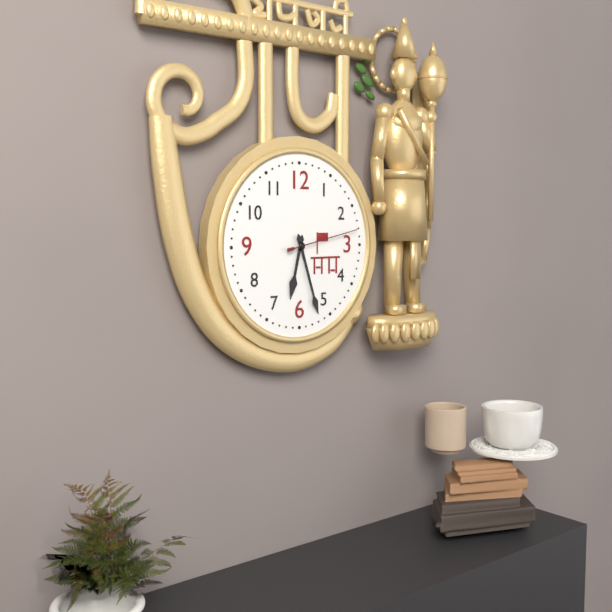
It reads 6h27m13s
